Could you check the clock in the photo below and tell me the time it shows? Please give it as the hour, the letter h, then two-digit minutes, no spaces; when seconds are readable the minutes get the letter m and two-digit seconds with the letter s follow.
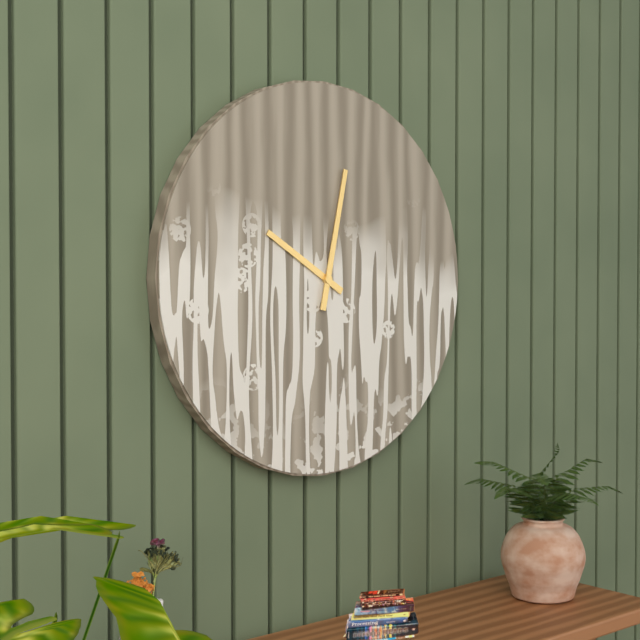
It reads 10h02
